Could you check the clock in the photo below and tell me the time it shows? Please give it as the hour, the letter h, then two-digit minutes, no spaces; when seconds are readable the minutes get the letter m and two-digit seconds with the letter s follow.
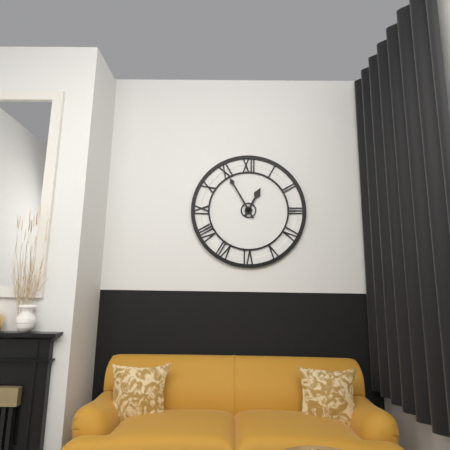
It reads 12h55
